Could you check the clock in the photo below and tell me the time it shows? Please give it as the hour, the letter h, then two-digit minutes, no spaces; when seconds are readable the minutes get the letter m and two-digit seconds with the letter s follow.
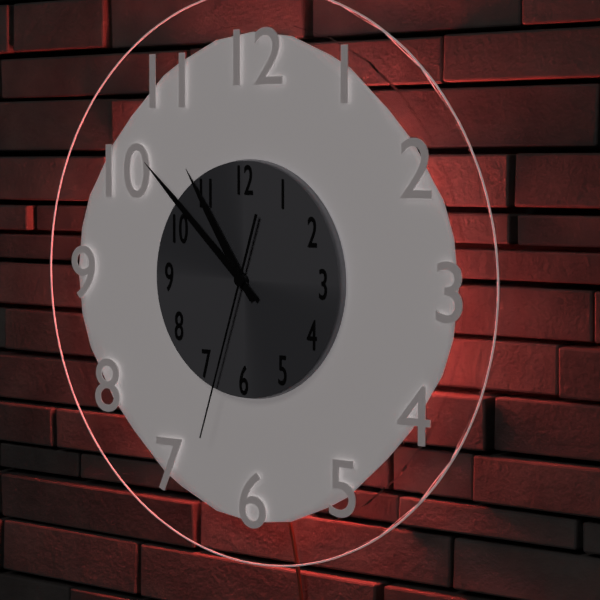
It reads 10h52m33s
